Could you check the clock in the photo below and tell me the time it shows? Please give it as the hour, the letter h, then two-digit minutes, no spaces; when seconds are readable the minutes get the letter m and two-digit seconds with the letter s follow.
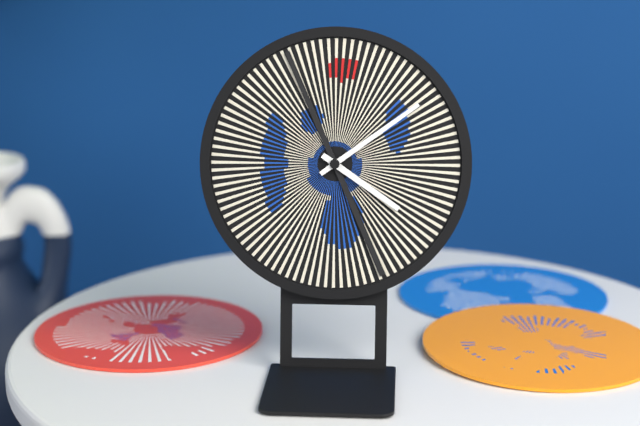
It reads 4h09
